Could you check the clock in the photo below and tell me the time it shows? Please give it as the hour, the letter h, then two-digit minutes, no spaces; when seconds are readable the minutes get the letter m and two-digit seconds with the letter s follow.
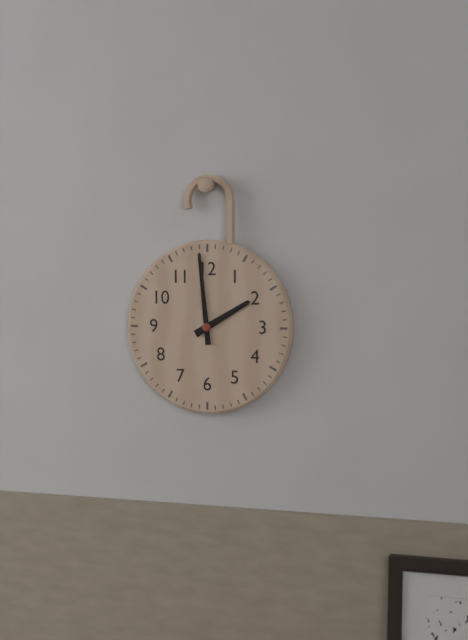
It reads 1h59
